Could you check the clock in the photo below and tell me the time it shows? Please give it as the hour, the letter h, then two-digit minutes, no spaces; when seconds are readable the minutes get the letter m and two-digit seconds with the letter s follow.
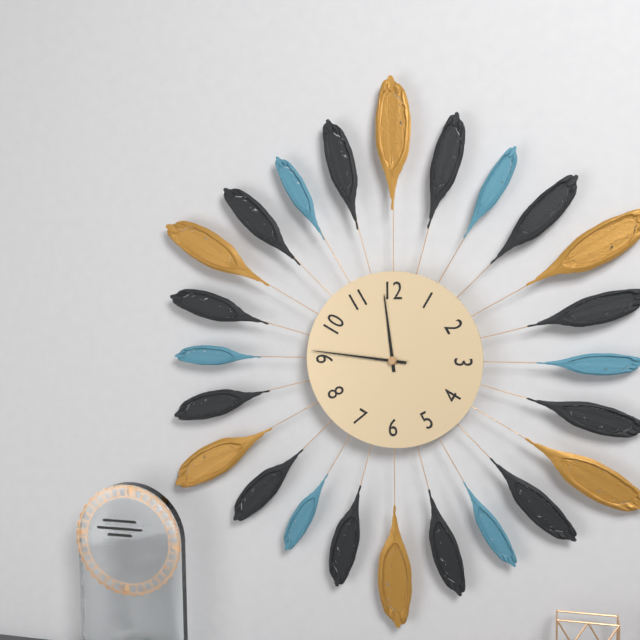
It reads 11h46
